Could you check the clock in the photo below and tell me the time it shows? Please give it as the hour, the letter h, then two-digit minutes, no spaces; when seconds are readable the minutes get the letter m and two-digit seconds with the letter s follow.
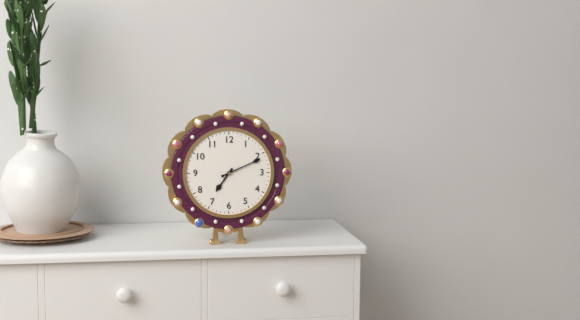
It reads 7h11
